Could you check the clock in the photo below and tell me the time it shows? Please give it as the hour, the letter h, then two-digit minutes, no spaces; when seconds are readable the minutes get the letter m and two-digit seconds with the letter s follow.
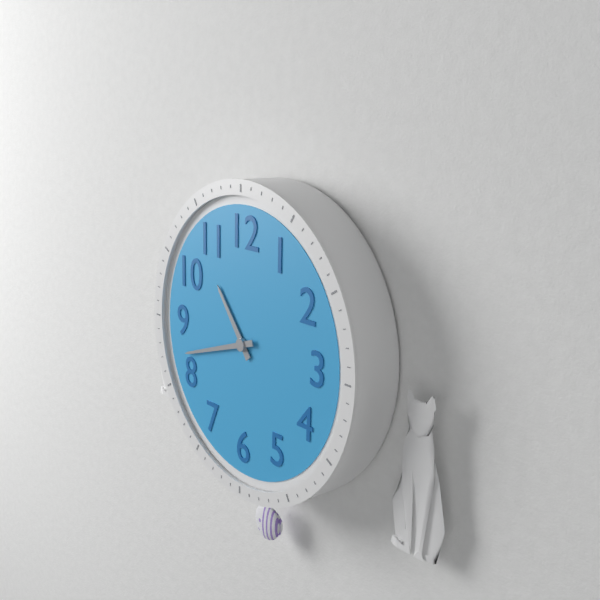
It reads 10h42
